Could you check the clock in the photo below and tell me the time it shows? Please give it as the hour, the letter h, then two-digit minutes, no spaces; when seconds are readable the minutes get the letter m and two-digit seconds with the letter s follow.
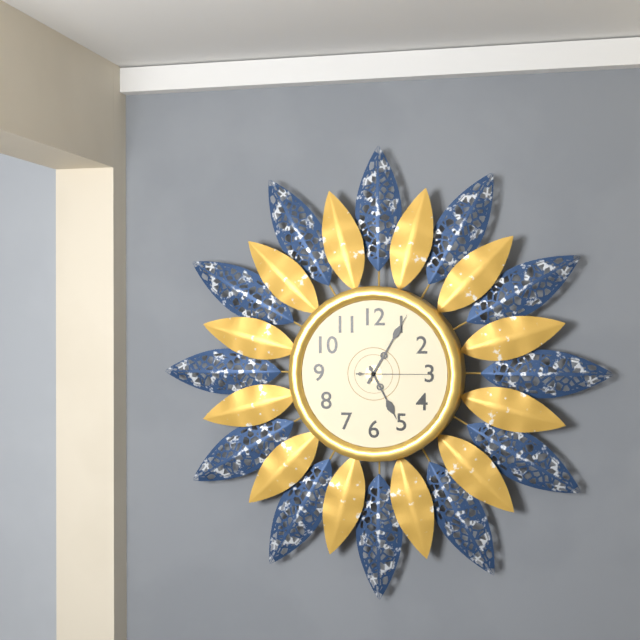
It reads 5h05m15s
